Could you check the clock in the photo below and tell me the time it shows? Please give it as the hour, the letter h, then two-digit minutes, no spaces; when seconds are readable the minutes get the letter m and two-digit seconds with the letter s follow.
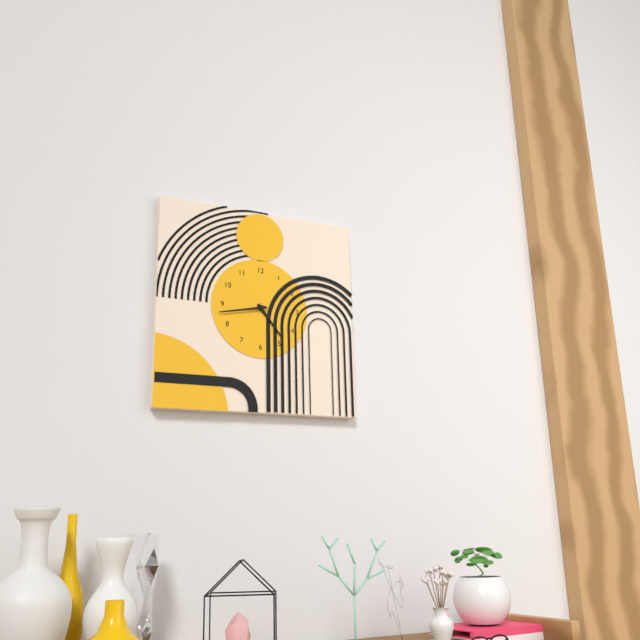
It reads 4h43
